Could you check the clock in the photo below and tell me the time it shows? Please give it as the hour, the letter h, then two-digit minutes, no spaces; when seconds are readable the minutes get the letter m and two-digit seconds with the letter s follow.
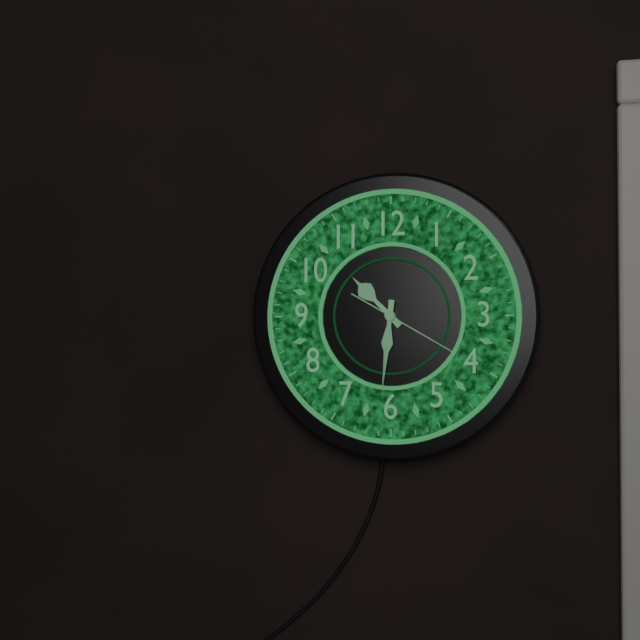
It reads 10h31m20s
